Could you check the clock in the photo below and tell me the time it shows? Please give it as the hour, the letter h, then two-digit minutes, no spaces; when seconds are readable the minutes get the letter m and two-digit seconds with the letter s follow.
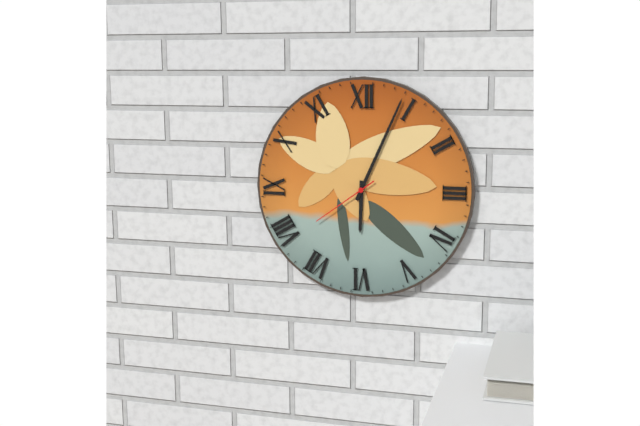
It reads 6h04m39s
